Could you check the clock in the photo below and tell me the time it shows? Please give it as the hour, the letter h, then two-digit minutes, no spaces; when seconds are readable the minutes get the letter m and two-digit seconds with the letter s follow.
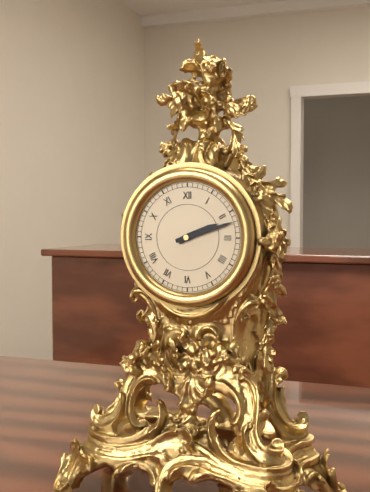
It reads 2h12
